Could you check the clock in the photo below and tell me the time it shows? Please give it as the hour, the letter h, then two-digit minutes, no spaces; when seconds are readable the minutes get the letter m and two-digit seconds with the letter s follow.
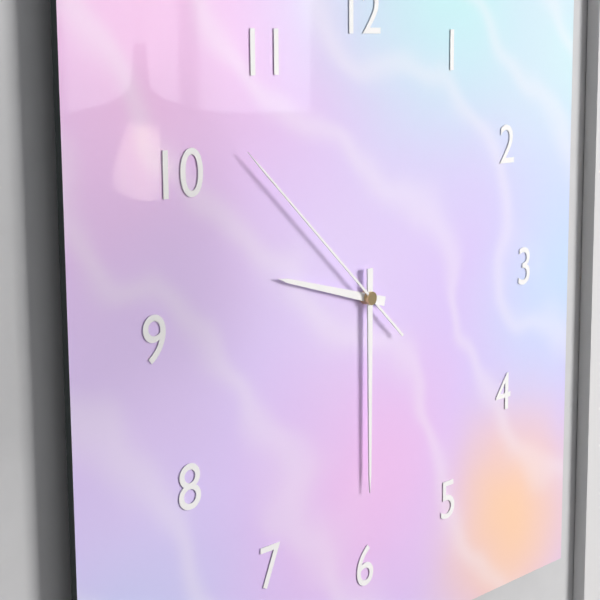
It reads 9h30m52s
